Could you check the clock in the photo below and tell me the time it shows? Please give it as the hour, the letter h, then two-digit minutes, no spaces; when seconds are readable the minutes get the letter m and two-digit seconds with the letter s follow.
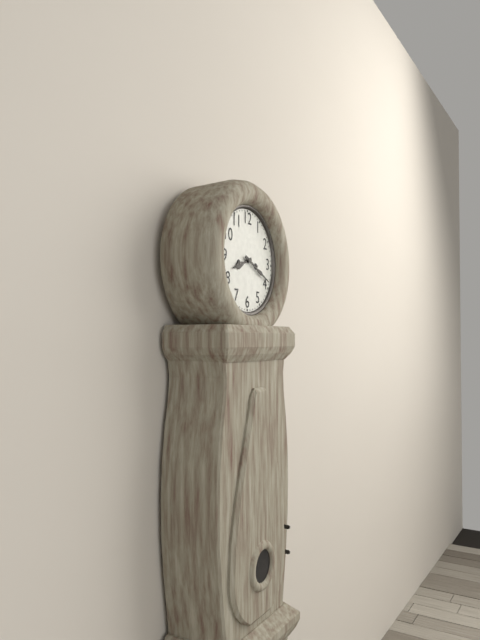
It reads 8h19
